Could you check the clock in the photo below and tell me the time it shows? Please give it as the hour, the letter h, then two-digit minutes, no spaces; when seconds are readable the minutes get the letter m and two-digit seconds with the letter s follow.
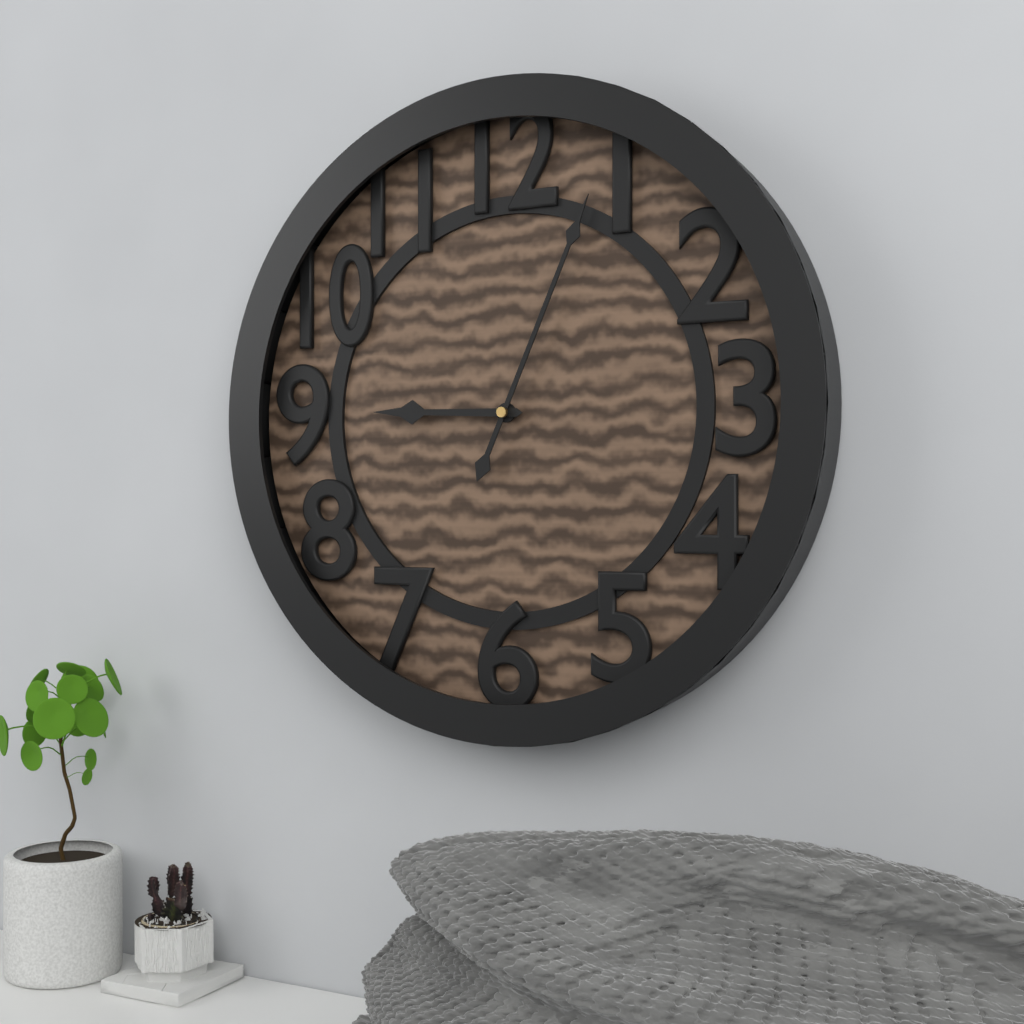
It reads 9h04
